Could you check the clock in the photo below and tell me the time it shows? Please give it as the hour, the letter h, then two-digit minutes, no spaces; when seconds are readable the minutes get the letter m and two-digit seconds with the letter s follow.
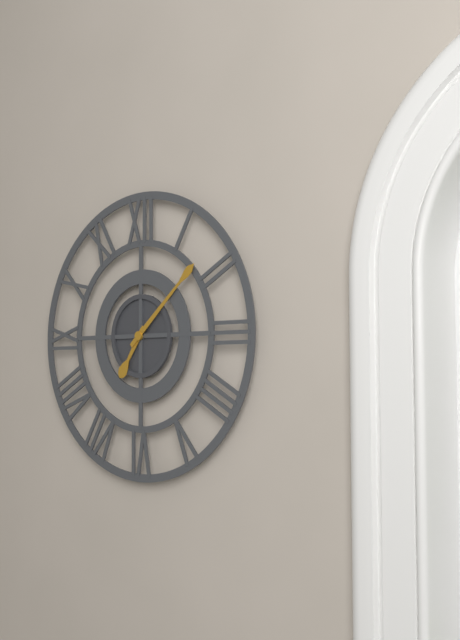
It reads 7h08
